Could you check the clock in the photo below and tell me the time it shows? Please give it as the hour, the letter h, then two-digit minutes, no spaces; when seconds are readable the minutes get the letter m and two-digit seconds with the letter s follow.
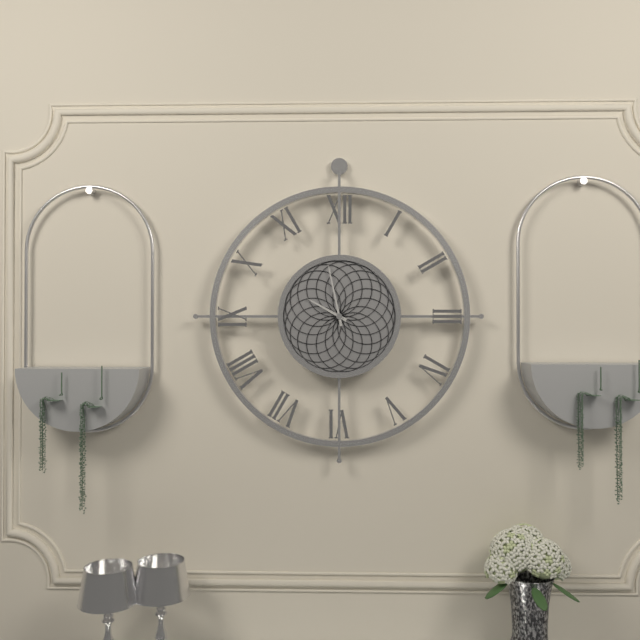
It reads 9h58
